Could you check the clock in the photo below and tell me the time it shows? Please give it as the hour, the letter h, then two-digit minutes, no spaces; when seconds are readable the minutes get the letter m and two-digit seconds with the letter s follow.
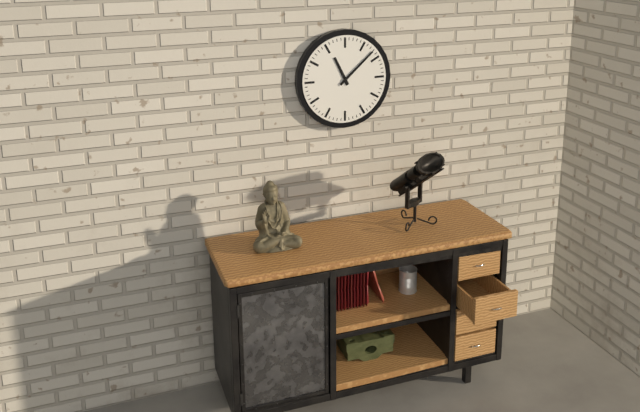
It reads 11h08
